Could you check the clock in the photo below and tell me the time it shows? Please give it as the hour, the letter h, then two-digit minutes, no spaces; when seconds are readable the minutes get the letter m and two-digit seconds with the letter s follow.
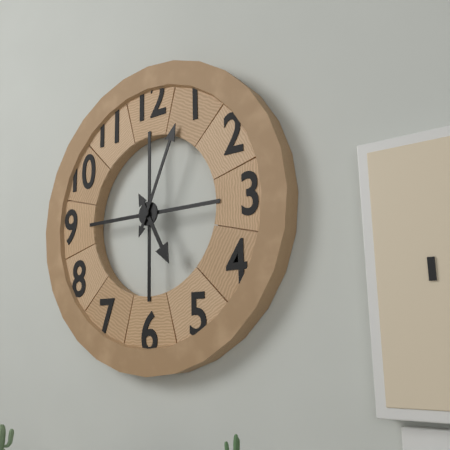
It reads 5h04
